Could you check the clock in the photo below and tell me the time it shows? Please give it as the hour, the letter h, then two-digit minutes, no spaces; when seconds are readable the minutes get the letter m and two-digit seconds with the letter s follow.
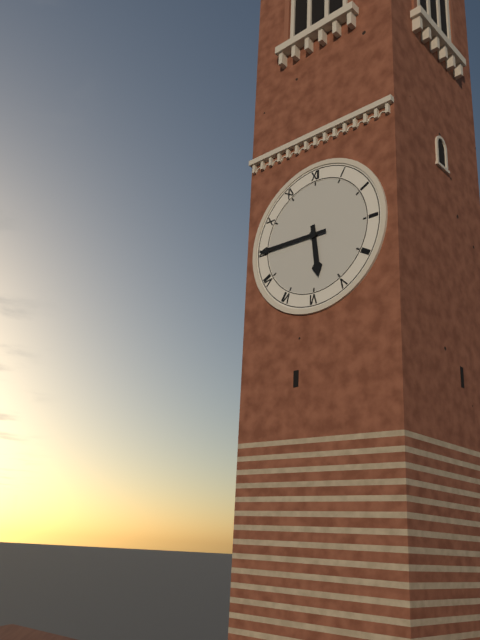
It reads 5h45
